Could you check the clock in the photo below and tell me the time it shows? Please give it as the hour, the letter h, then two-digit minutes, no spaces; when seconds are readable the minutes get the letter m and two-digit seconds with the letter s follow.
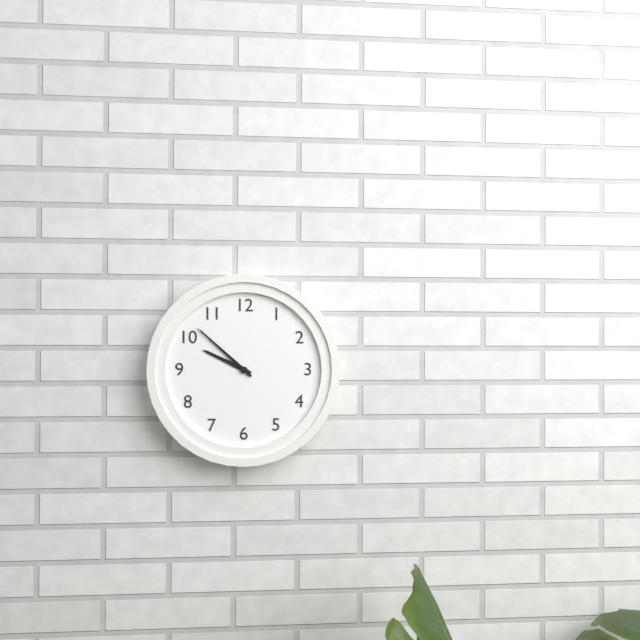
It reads 9h52
